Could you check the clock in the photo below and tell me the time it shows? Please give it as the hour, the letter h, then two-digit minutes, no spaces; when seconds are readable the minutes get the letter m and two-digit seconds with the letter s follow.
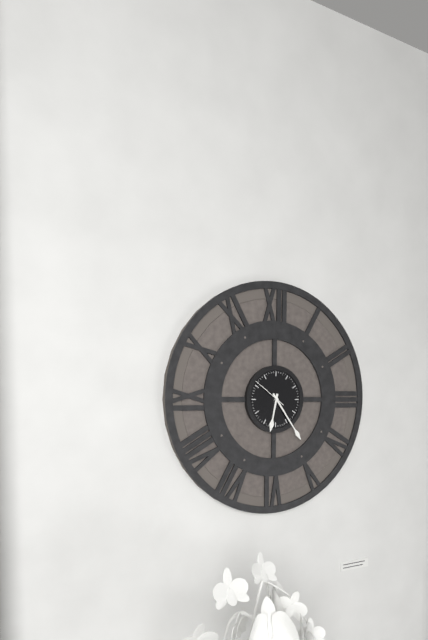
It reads 6h24
